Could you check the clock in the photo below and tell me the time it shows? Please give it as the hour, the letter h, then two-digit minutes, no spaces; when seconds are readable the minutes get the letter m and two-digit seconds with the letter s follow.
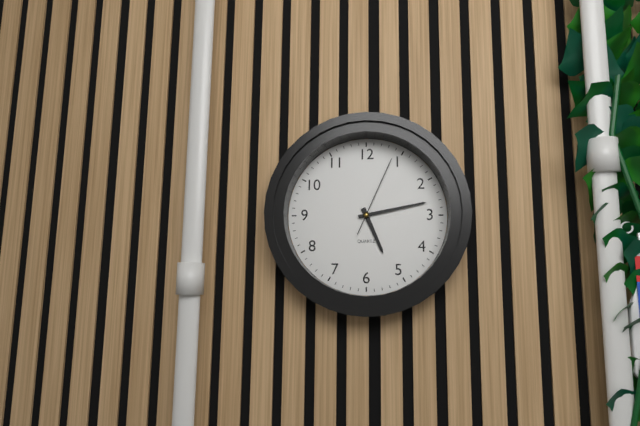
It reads 5h13m04s
